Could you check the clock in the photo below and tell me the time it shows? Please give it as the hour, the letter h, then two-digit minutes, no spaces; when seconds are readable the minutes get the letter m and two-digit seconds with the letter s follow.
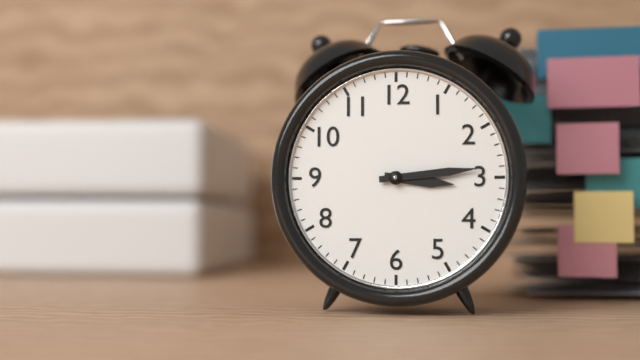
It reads 3h14
